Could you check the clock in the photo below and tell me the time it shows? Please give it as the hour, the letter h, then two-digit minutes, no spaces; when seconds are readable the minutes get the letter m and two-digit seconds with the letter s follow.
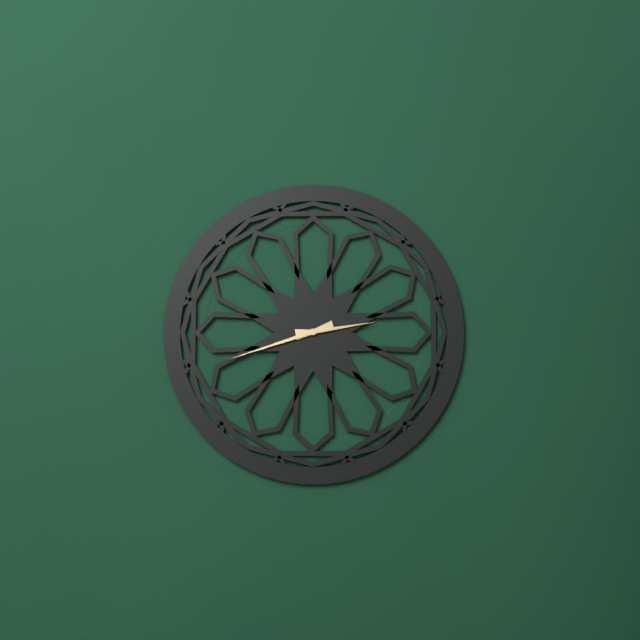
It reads 2h42
